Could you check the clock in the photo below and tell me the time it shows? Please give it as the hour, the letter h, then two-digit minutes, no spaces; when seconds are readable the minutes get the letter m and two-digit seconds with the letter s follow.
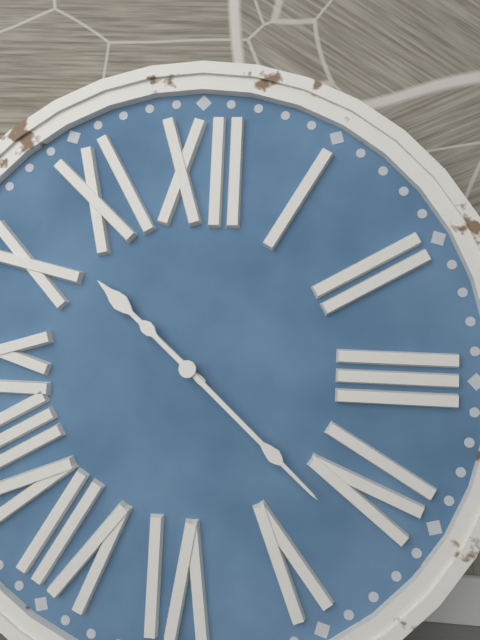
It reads 10h22
